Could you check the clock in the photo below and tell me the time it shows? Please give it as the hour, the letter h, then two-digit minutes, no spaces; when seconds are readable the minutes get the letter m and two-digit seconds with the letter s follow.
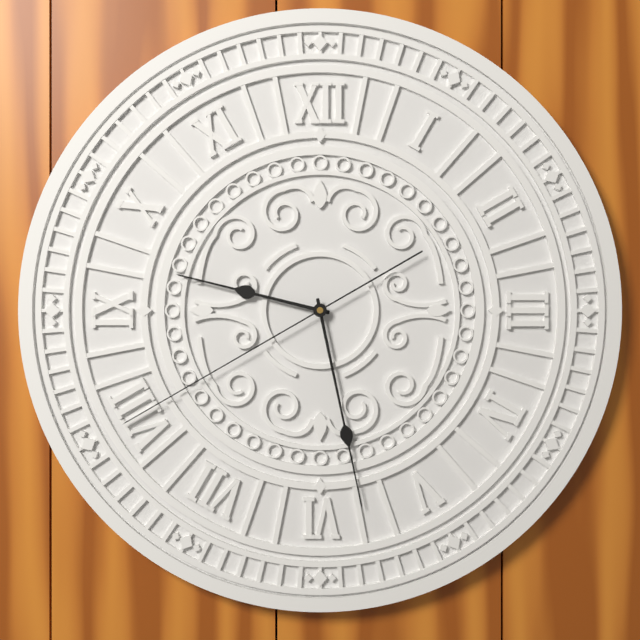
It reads 9h28m40s
